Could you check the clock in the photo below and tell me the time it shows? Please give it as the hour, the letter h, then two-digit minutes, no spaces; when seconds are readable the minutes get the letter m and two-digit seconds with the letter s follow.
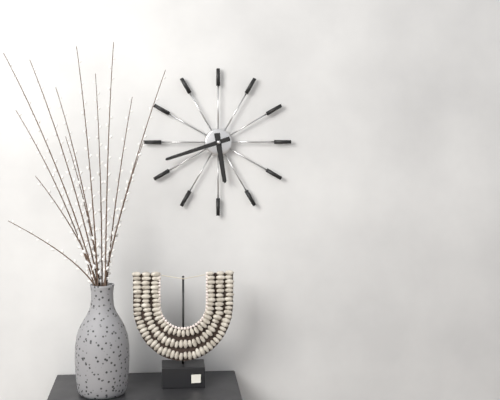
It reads 5h42
